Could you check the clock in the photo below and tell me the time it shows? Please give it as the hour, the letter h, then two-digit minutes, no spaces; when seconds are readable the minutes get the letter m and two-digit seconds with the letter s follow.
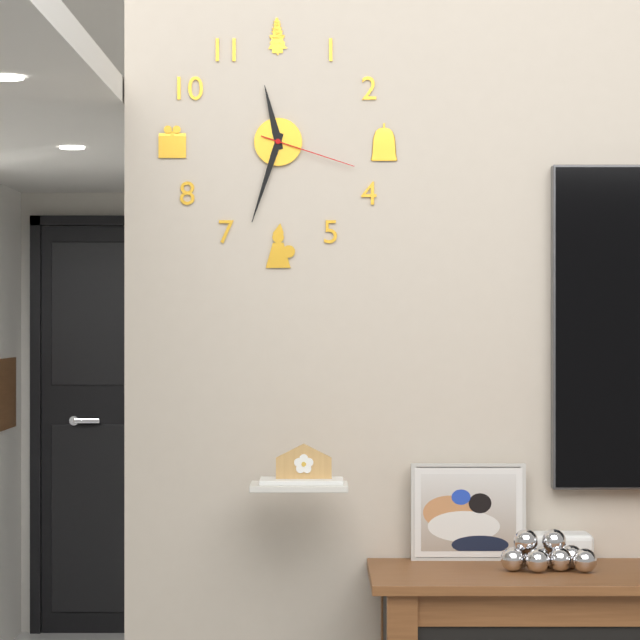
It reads 11h33m18s
